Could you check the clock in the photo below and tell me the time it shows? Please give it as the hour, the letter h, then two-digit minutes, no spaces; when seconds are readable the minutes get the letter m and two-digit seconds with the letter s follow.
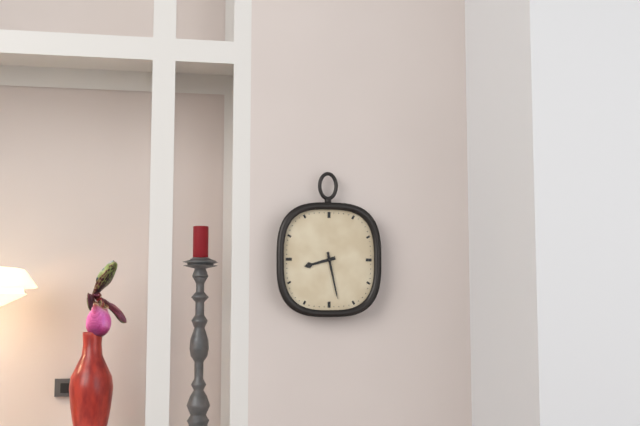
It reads 8h28
